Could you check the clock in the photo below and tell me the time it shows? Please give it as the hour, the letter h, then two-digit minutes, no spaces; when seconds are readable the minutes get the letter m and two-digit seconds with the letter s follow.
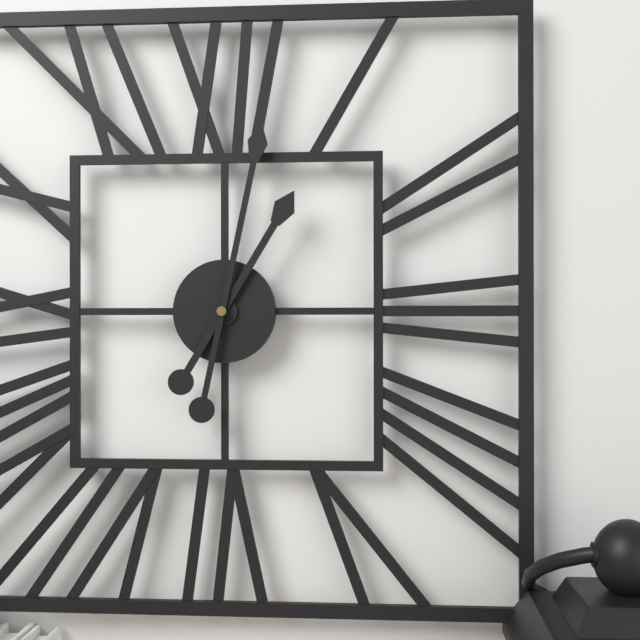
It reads 1h02
